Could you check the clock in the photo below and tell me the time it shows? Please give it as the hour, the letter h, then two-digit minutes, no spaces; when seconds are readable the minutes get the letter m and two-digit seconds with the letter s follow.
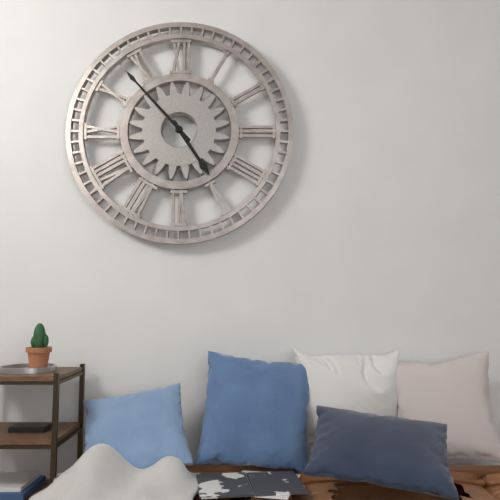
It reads 4h53
